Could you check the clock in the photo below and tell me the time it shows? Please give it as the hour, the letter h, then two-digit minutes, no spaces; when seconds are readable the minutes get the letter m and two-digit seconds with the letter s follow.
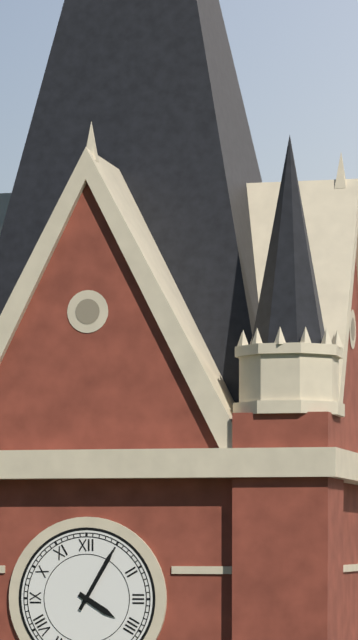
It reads 4h05
